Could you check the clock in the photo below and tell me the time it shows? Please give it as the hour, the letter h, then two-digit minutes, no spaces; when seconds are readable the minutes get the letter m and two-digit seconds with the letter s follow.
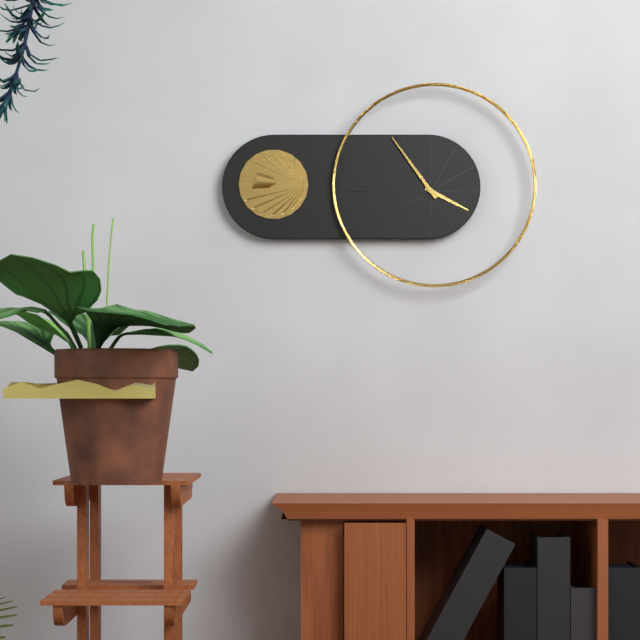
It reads 3h54
